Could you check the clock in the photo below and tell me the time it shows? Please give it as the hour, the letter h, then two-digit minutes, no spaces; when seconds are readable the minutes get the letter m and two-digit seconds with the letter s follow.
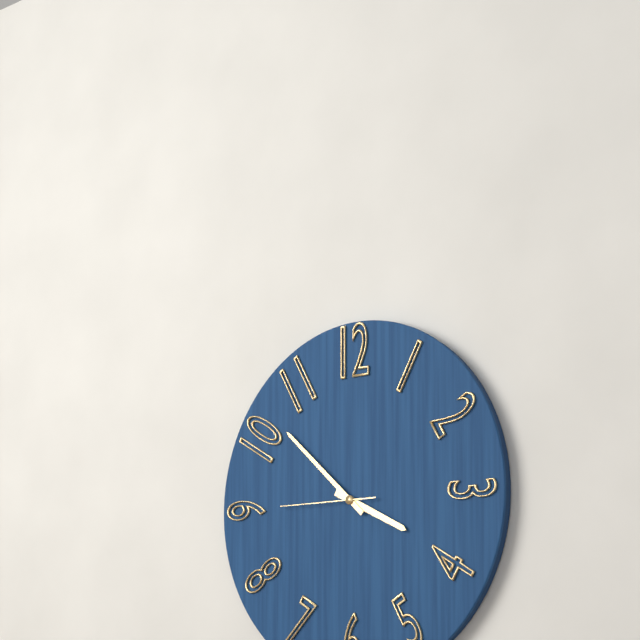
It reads 3h52m45s
